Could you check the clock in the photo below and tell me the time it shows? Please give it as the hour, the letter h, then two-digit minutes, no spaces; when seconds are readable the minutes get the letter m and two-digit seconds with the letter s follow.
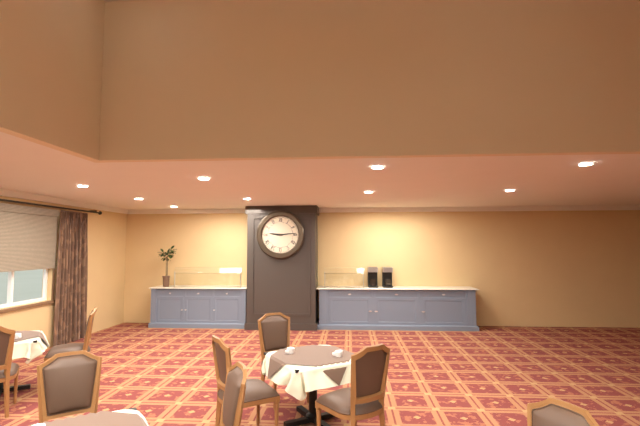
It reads 9h14
